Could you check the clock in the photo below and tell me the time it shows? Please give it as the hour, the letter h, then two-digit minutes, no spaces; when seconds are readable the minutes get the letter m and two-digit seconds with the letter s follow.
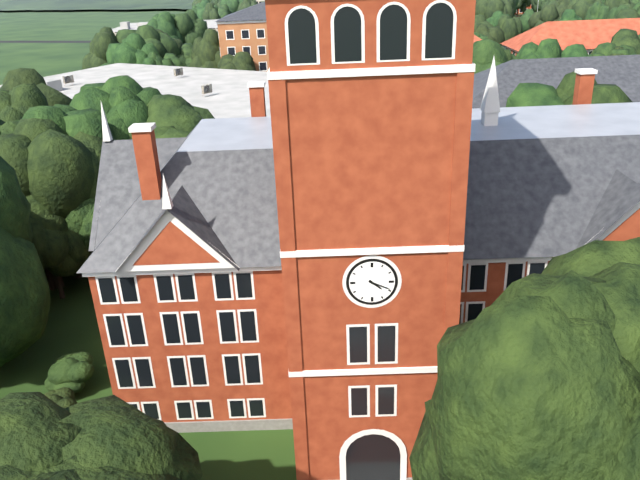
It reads 4h19
